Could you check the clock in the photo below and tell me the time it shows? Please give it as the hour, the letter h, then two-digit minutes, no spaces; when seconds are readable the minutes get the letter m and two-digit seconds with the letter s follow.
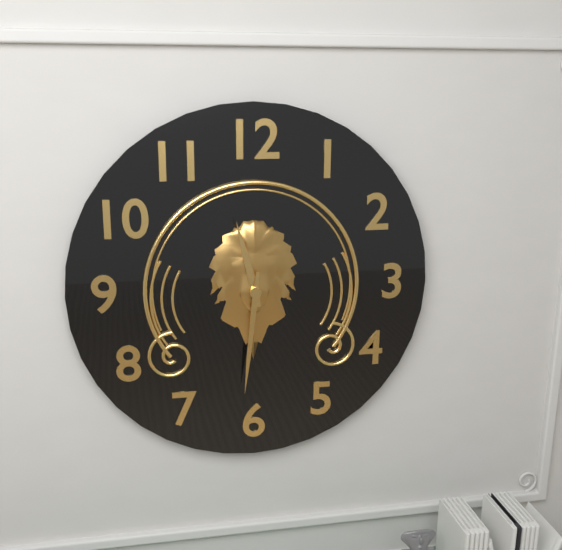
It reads 11h31
